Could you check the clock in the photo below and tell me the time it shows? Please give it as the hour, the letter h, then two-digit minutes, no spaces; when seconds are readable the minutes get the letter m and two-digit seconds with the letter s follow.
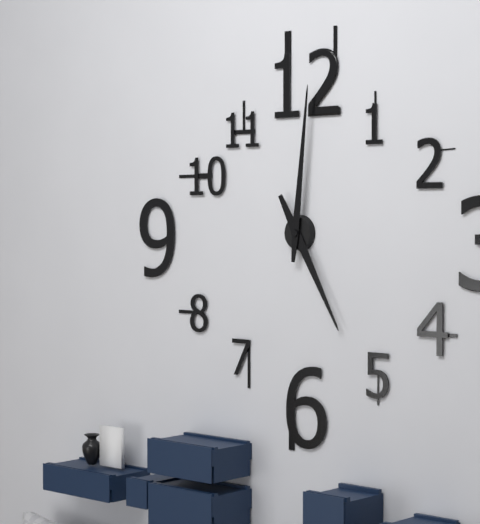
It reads 5h01
